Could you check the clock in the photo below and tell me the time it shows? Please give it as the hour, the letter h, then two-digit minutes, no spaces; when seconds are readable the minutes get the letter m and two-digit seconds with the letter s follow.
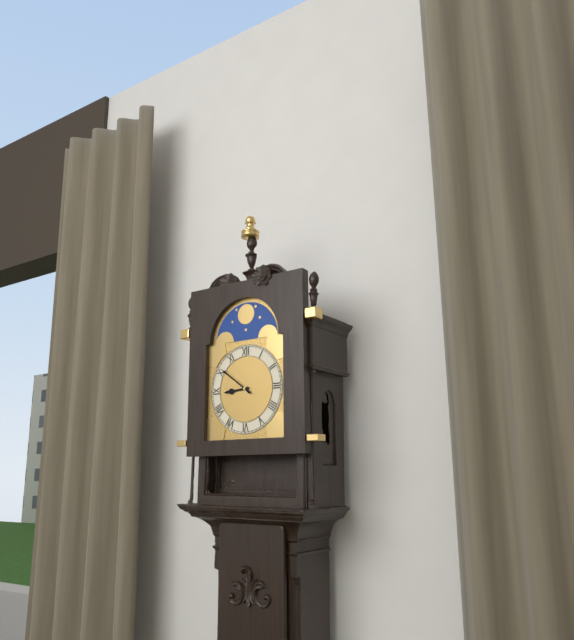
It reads 8h51
